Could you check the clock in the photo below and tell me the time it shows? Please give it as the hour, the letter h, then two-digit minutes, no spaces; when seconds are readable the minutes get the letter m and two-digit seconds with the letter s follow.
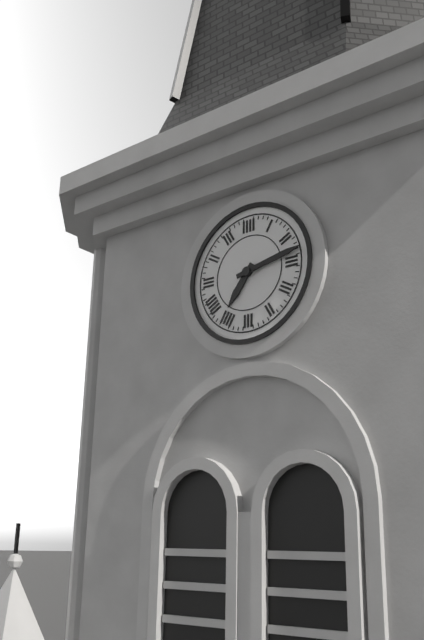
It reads 7h13
